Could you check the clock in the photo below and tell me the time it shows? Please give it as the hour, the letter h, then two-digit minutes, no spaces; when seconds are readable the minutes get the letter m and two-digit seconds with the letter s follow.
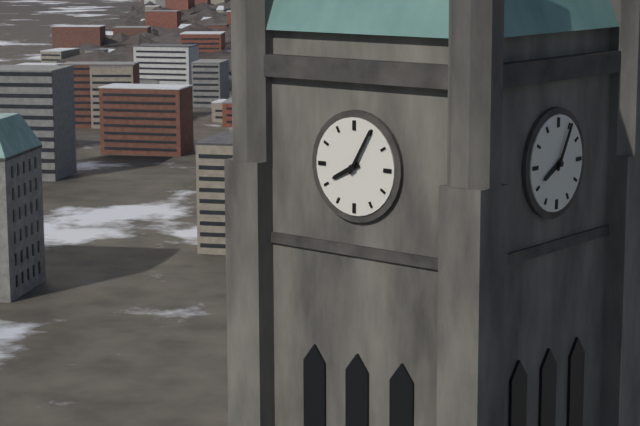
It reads 8h05
